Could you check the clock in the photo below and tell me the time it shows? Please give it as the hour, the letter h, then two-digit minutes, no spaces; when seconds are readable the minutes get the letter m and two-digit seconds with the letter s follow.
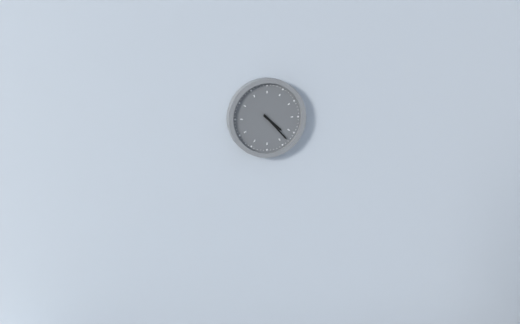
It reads 4h23
